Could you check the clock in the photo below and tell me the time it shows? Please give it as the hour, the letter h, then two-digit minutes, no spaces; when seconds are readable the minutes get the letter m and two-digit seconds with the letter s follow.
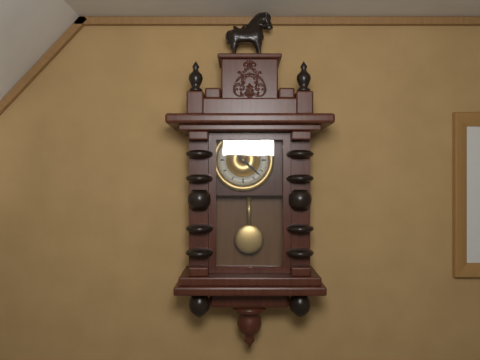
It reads 10h22
